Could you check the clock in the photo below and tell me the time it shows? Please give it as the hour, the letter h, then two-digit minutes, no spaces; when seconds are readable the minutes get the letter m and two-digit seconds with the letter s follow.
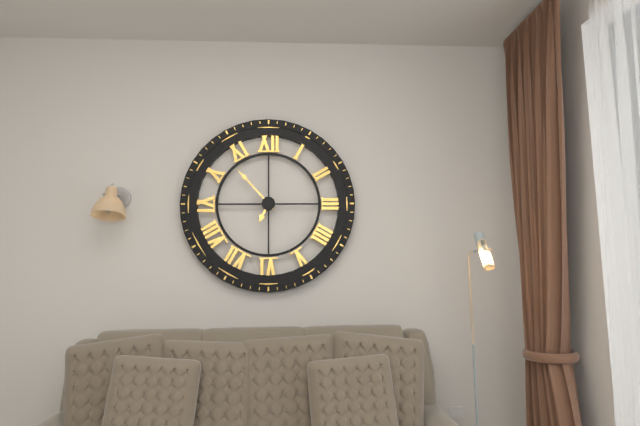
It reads 6h53
